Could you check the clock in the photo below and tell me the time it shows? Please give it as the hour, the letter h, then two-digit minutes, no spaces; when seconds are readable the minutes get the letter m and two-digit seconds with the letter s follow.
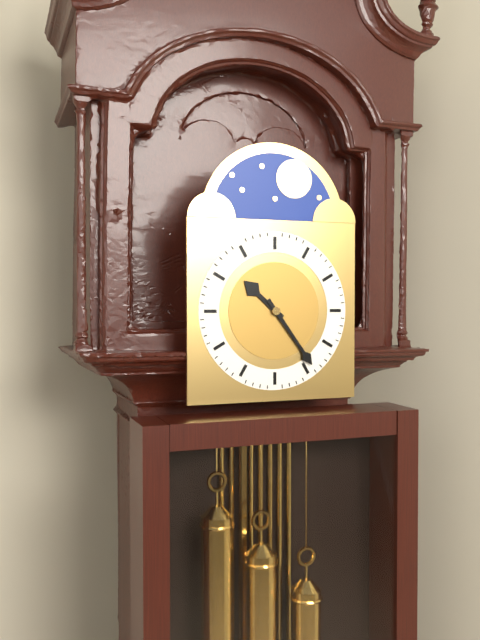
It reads 10h24
